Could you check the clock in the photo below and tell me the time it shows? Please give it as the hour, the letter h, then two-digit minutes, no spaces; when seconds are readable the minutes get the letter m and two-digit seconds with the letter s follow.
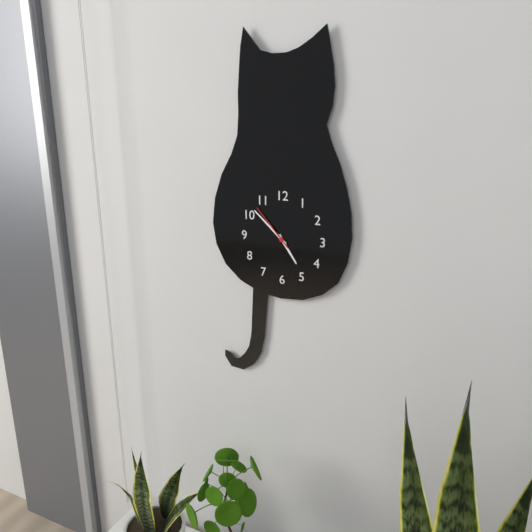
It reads 4h52m53s
